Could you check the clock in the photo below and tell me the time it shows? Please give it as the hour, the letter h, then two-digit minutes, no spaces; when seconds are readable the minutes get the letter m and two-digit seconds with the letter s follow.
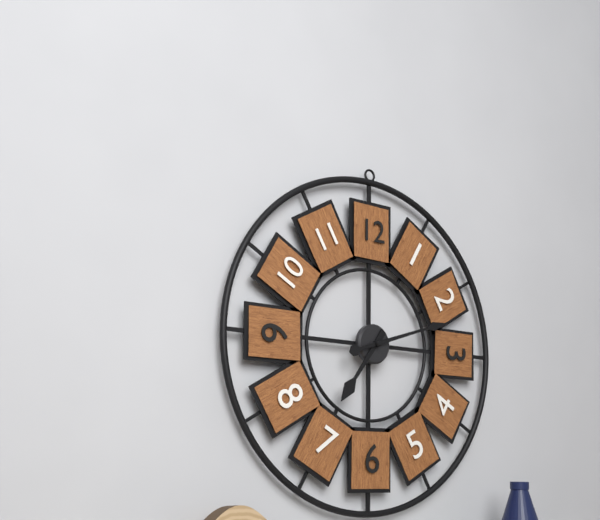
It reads 7h12
